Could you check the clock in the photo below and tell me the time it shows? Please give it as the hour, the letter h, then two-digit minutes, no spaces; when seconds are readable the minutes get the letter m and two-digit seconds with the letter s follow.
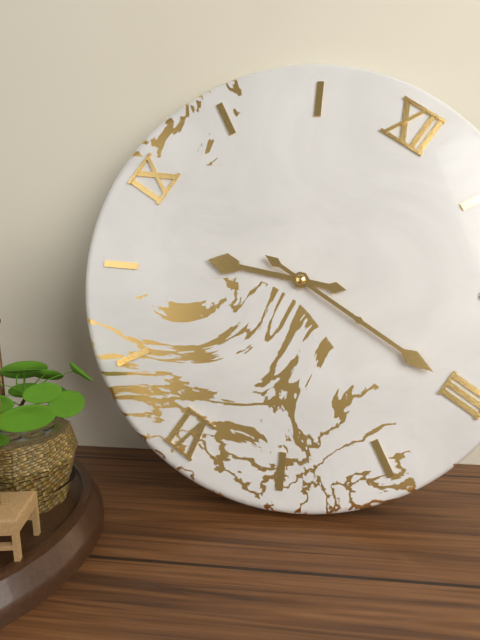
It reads 8h15
